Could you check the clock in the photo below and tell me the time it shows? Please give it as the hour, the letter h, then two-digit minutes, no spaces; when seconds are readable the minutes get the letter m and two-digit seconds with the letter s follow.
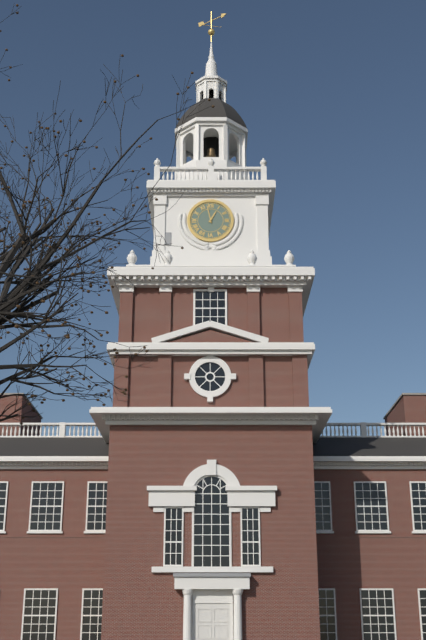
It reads 12h58
